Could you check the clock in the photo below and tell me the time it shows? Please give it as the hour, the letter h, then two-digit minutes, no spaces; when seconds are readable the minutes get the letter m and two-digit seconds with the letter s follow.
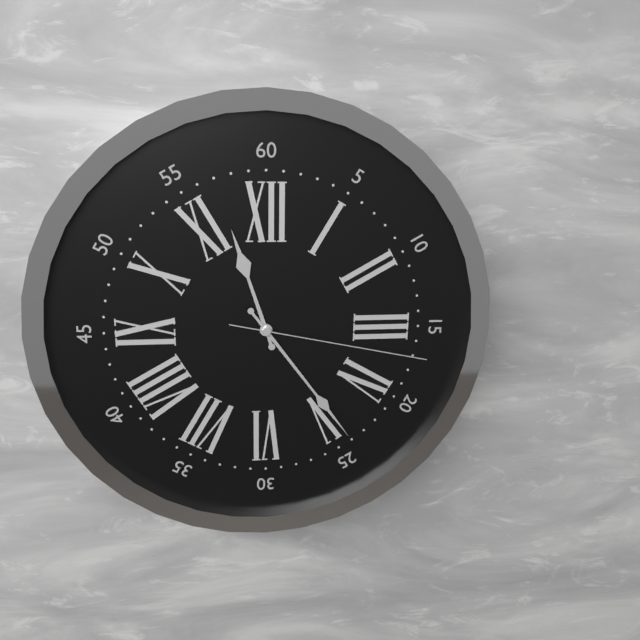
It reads 11h24m17s
